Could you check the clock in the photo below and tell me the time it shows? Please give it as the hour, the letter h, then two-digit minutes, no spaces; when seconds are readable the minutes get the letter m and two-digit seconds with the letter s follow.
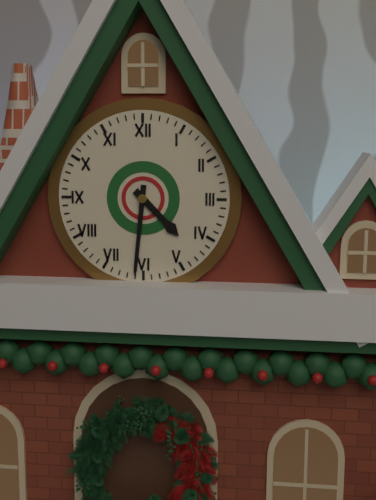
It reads 4h31
